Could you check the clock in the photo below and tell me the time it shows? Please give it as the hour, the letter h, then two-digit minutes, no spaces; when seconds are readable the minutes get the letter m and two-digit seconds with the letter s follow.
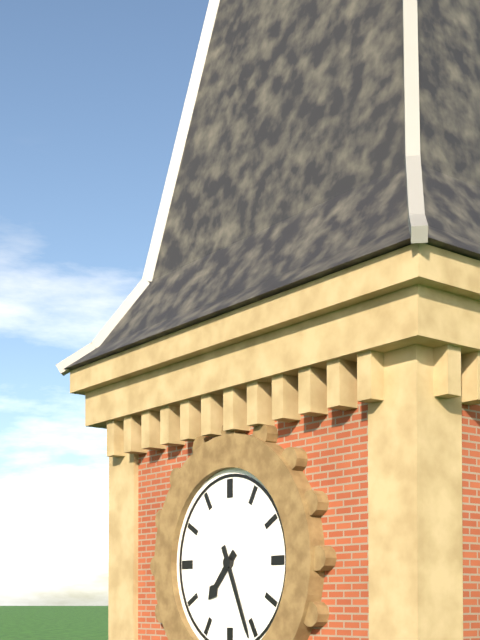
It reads 7h26
